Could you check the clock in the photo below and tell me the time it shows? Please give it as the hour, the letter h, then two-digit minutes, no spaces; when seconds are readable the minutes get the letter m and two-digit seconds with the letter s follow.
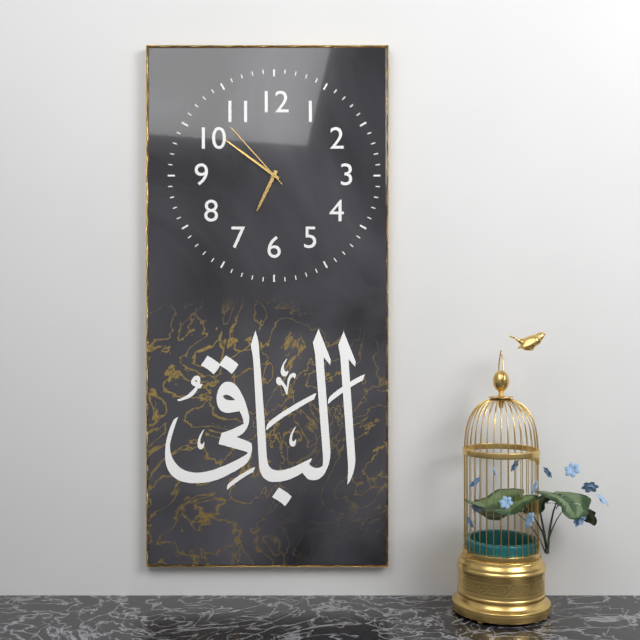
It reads 6h51m53s
